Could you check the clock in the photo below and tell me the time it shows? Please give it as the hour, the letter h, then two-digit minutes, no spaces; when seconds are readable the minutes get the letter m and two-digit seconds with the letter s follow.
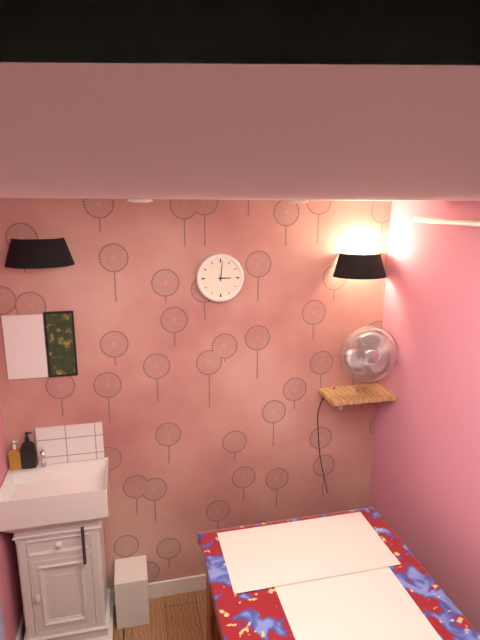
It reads 3h01
